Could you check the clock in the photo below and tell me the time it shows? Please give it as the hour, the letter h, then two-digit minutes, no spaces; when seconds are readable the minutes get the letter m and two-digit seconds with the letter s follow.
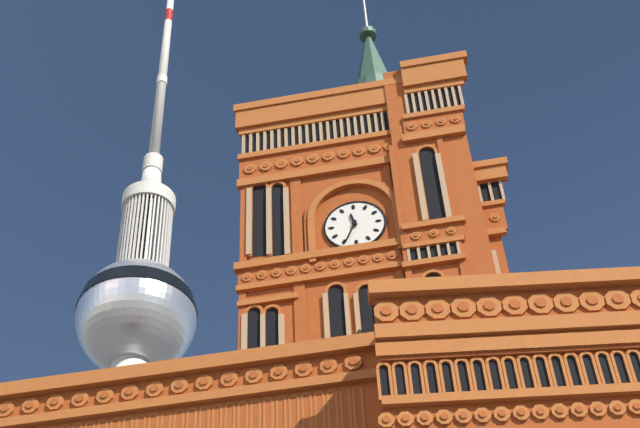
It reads 11h34
